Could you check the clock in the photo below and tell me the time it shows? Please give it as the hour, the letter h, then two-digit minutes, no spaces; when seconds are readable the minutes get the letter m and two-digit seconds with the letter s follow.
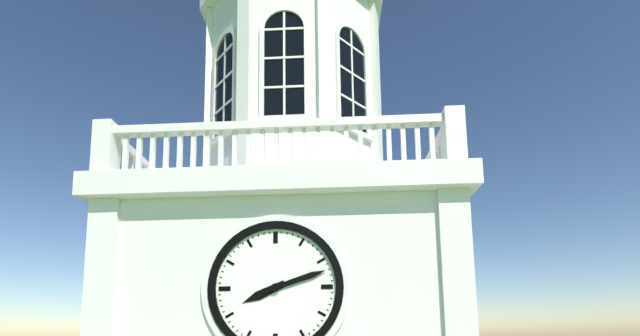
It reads 8h12
